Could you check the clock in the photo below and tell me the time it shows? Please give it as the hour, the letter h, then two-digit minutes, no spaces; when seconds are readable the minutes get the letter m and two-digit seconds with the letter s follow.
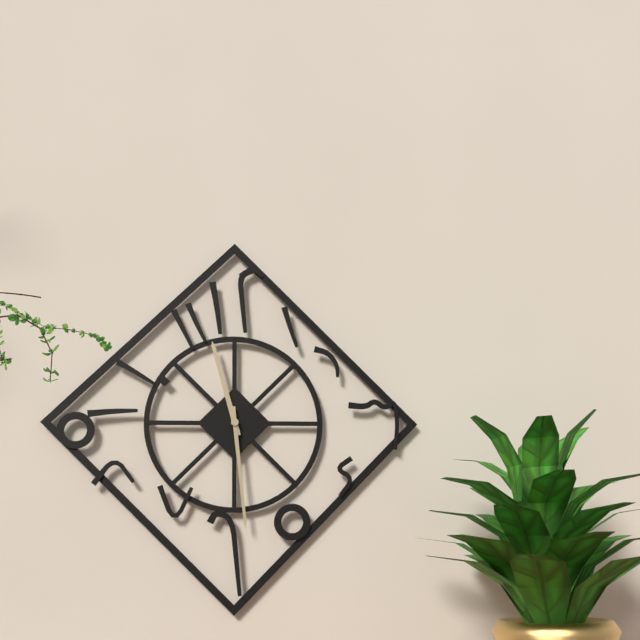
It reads 11h29
